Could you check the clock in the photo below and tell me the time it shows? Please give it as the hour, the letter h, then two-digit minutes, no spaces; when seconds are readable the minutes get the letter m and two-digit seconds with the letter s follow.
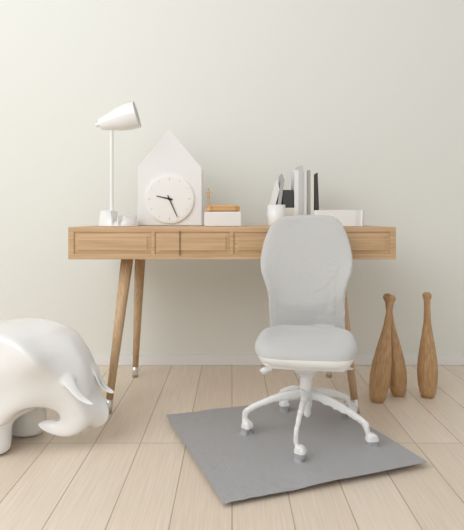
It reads 9h26
